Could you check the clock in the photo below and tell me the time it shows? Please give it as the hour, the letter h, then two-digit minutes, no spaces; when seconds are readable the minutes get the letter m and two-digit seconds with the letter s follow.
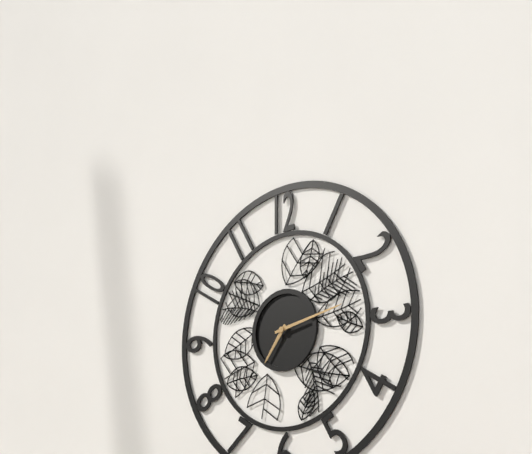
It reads 7h13
